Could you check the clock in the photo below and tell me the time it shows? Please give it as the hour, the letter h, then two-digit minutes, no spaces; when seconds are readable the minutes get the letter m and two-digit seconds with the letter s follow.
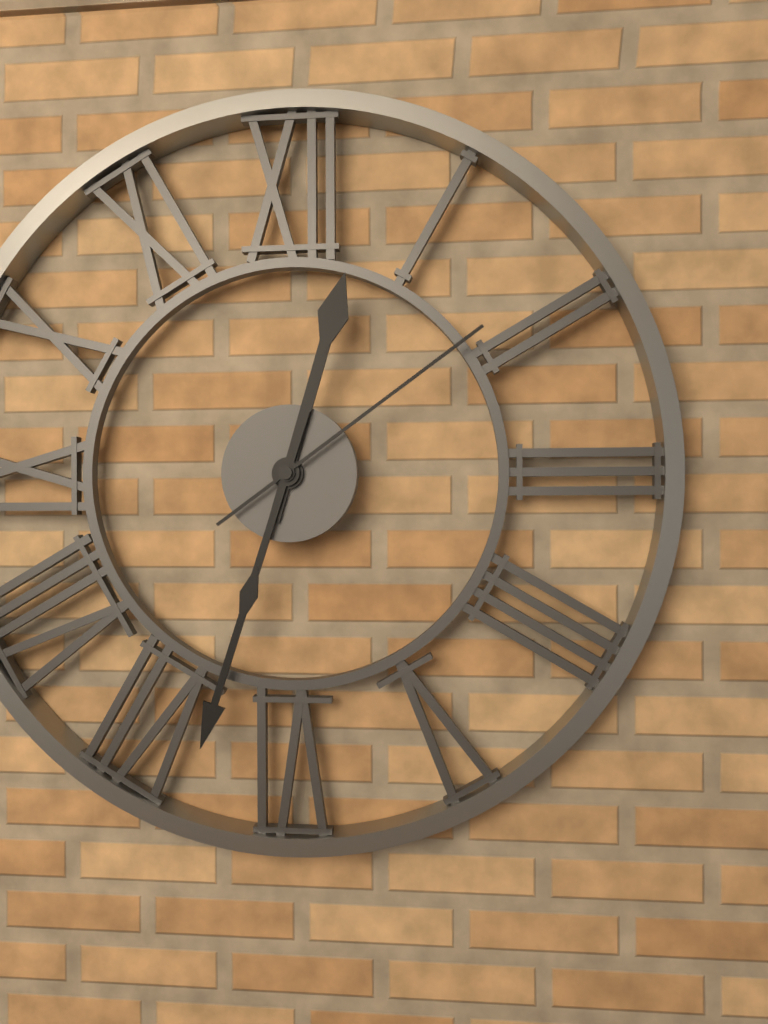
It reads 12h33m09s
